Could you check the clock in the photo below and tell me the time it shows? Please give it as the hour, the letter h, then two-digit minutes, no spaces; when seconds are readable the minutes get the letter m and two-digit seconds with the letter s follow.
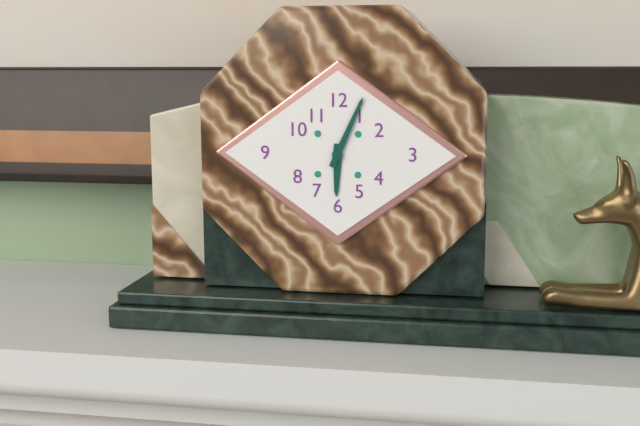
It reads 6h04
